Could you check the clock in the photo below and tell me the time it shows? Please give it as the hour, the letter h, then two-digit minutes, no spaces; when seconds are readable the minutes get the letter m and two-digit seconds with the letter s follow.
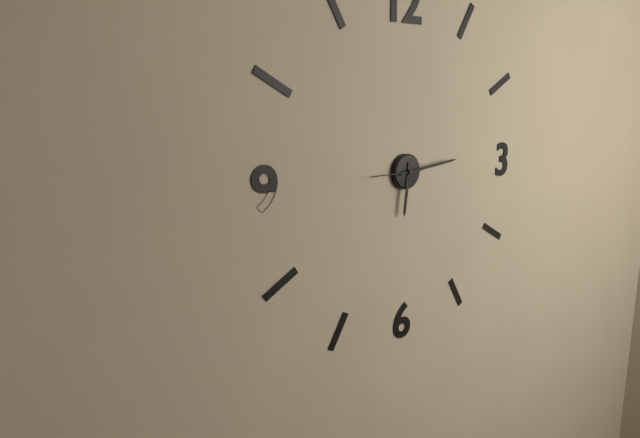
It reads 6h14
